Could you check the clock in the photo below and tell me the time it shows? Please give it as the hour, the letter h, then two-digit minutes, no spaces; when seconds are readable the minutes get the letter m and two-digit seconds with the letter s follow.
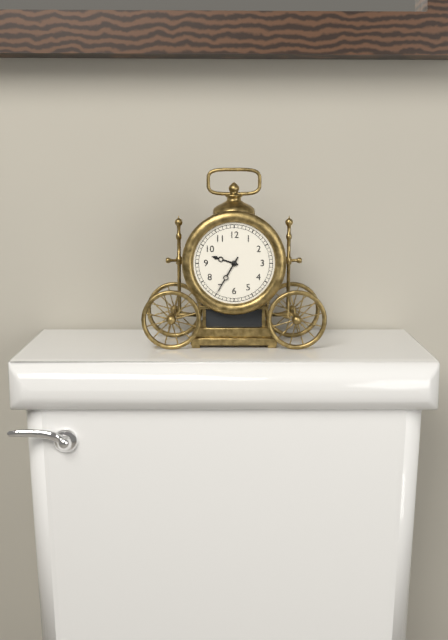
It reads 9h35
